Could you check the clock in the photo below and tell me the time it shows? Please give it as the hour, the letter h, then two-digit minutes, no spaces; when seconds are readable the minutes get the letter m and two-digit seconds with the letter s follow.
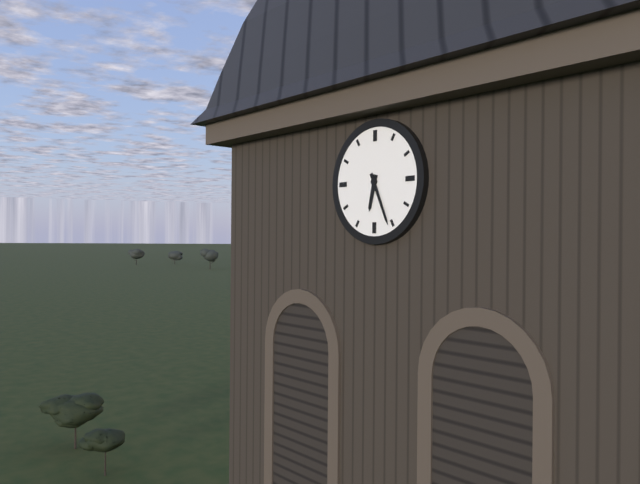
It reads 6h26
